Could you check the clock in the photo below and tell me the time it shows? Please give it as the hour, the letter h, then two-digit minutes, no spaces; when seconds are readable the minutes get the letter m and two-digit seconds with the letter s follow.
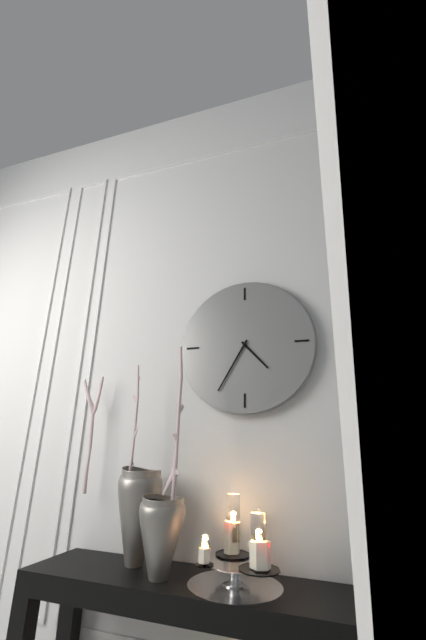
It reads 4h35
